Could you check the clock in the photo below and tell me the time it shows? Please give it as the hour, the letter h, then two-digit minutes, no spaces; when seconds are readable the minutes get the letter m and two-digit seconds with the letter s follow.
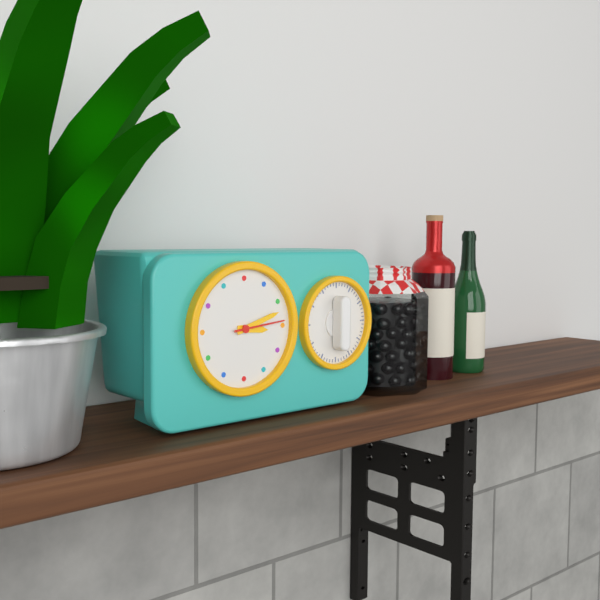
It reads 3h12m14s
